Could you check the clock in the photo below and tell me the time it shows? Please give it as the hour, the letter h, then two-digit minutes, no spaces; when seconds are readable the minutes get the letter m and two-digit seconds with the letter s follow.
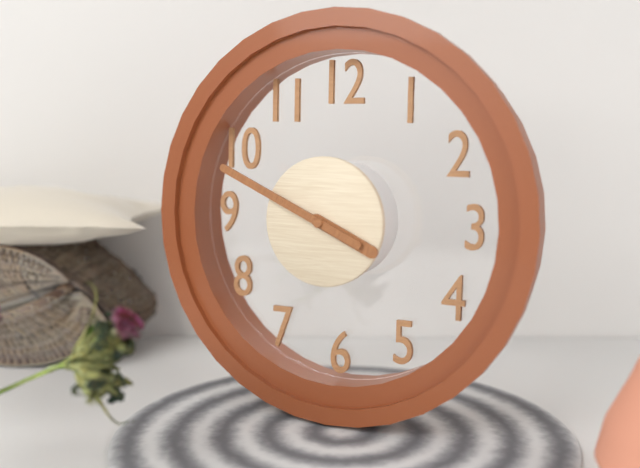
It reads 3h49
